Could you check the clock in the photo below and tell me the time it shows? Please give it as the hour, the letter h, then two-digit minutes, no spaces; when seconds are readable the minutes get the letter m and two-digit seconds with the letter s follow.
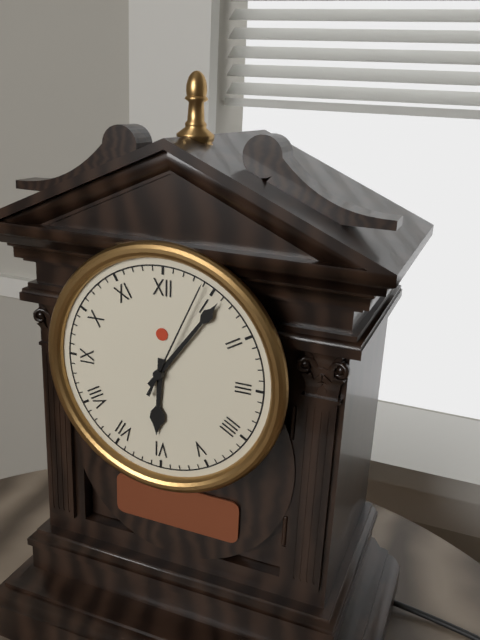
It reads 6h06m04s
